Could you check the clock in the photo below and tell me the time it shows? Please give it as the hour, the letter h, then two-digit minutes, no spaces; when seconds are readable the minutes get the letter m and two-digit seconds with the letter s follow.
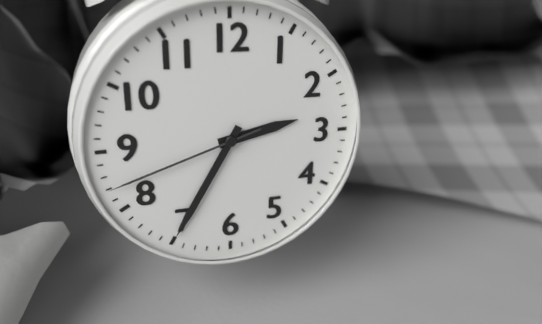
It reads 2h35m42s
